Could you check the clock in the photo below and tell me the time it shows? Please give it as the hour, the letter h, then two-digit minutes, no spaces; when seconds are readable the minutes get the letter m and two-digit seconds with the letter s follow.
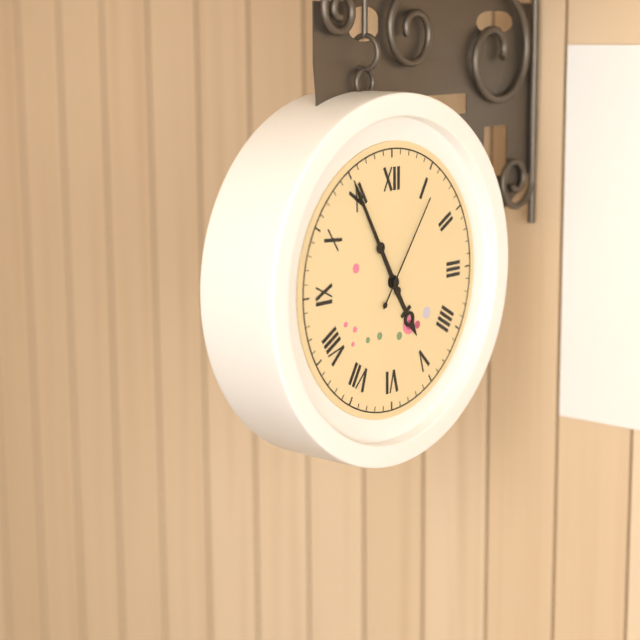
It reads 4h55m06s
